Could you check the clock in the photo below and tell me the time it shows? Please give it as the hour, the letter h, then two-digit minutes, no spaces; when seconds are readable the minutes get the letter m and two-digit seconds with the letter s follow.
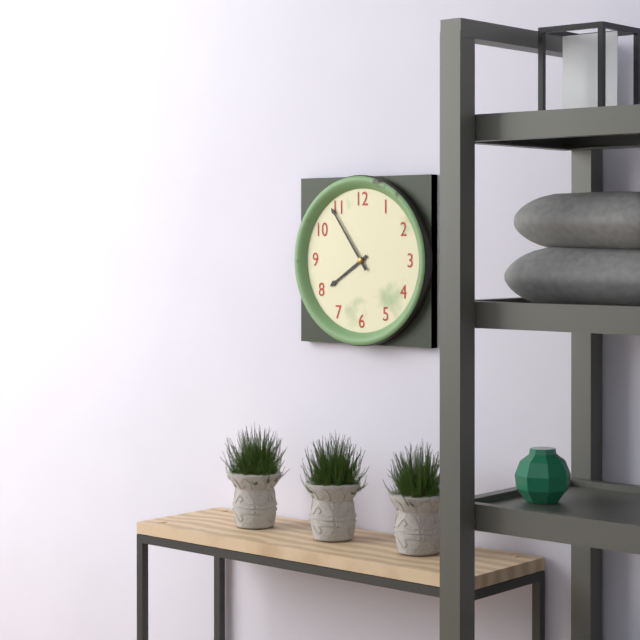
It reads 7h54
